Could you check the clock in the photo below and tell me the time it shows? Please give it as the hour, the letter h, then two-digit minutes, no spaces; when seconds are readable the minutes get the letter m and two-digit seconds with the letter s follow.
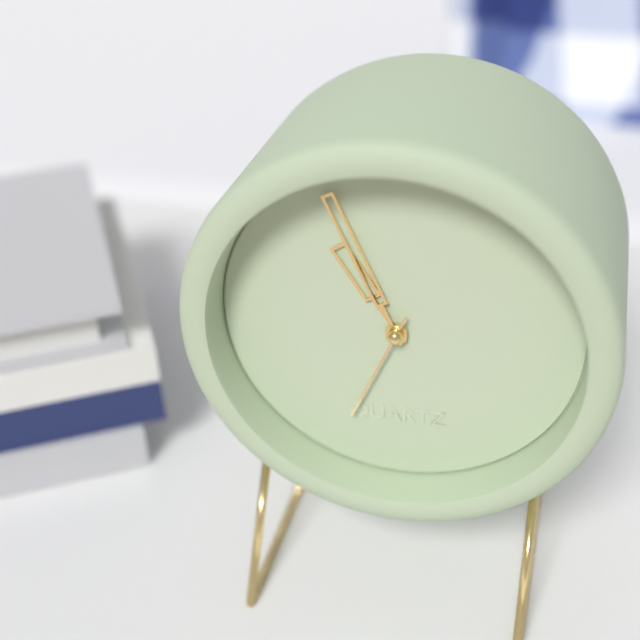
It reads 10h56m34s
